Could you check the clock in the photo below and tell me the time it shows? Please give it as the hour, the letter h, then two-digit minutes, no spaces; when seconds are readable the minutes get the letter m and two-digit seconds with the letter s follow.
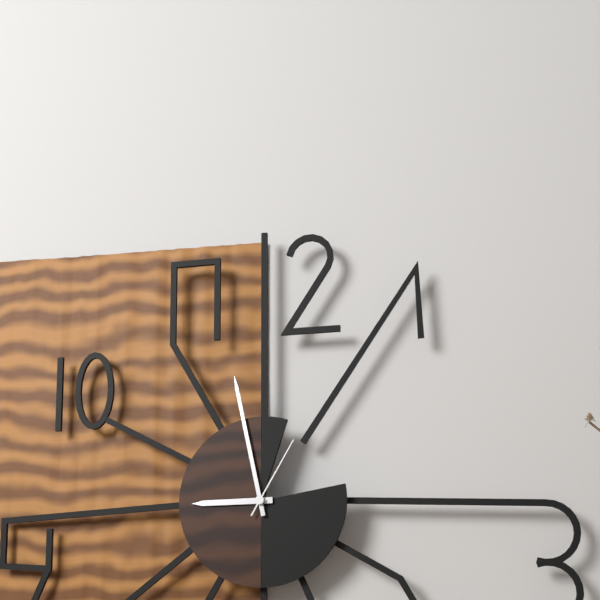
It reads 8h58m05s
